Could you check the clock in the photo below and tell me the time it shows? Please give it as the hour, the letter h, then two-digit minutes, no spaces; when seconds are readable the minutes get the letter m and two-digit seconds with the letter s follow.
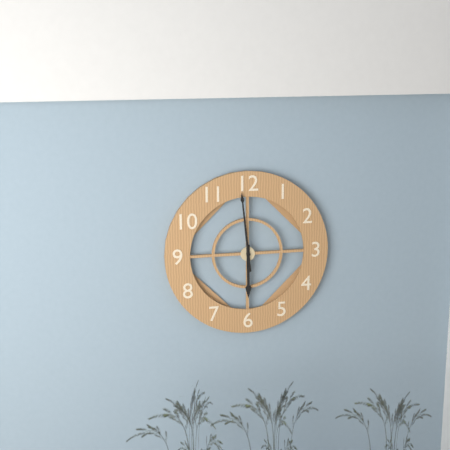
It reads 5h59
